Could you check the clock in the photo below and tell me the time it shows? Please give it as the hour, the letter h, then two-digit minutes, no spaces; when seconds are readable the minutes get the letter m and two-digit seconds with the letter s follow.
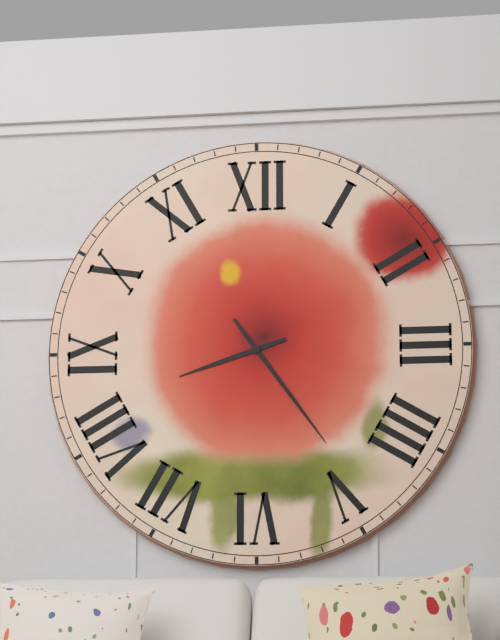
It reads 8h24
